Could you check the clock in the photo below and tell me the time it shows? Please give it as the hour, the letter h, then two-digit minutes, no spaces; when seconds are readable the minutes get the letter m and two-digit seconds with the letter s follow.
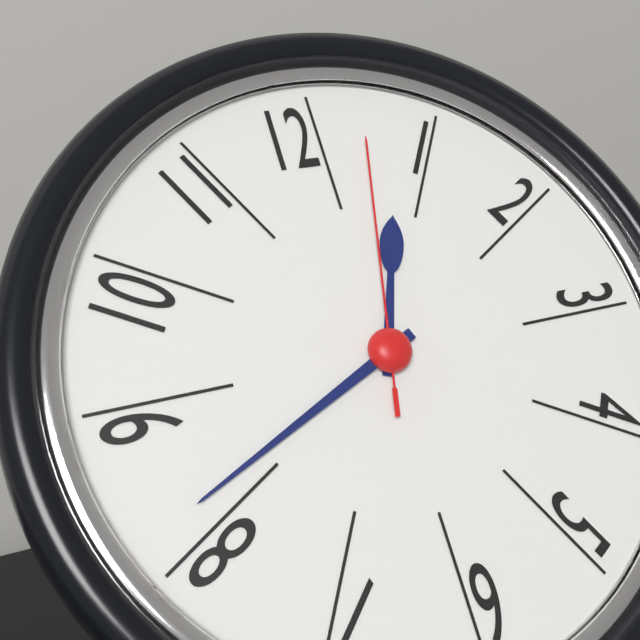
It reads 12h41m02s
